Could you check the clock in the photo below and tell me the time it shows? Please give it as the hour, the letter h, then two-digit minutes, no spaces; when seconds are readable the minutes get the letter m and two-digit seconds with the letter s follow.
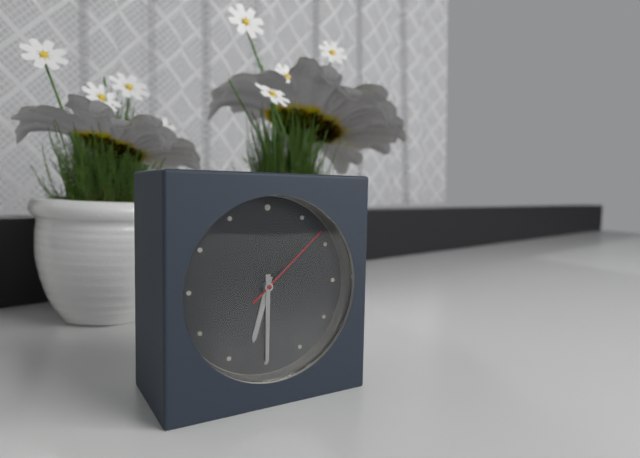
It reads 6h30m08s
